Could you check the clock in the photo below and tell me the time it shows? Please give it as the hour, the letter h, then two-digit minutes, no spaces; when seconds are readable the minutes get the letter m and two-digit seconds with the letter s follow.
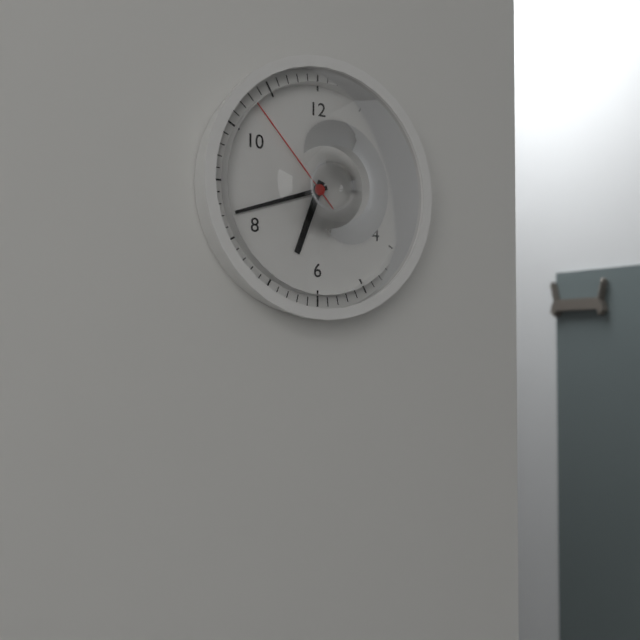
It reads 6h42m53s
